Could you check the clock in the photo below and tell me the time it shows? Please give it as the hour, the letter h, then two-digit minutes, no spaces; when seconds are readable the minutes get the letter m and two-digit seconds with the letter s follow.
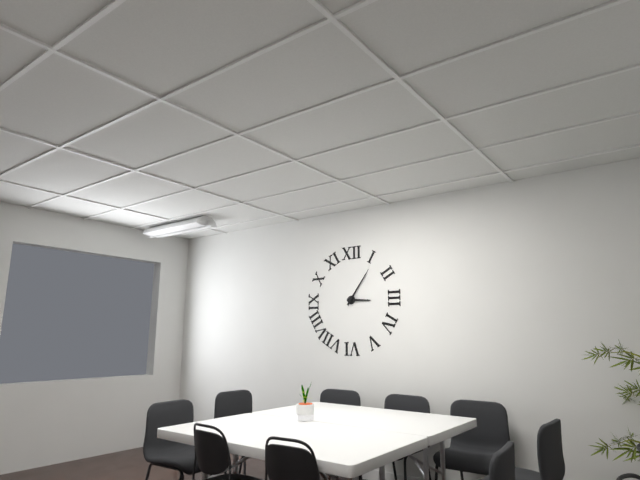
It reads 3h06
